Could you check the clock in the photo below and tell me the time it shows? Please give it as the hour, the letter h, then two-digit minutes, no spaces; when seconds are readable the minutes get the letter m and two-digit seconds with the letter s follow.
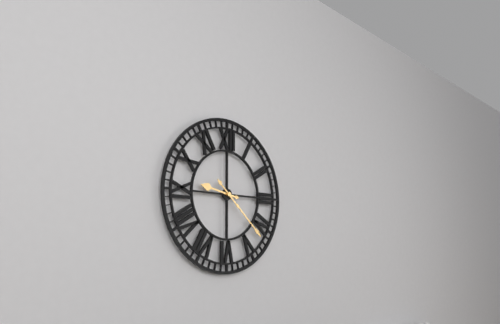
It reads 9h22
